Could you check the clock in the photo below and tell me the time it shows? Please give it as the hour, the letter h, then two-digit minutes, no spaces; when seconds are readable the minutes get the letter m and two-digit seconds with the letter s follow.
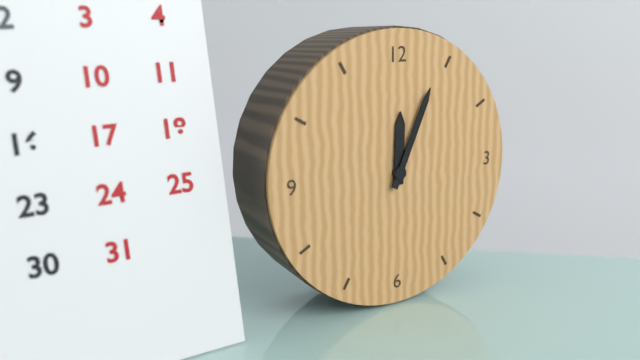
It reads 12h04
